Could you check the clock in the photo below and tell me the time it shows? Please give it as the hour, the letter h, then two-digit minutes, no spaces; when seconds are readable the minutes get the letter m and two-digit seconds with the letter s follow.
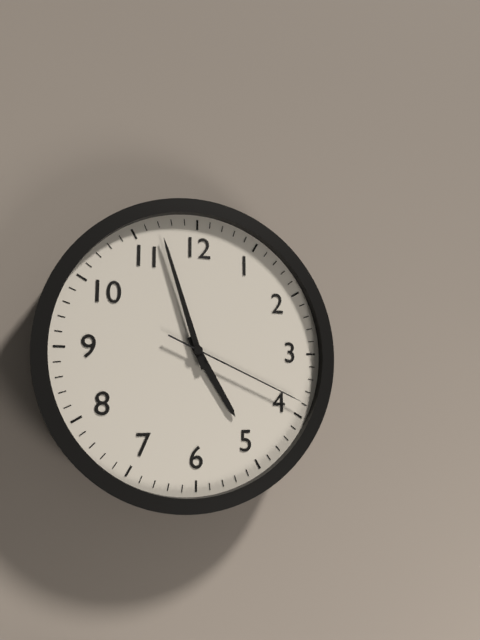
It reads 4h57m19s
